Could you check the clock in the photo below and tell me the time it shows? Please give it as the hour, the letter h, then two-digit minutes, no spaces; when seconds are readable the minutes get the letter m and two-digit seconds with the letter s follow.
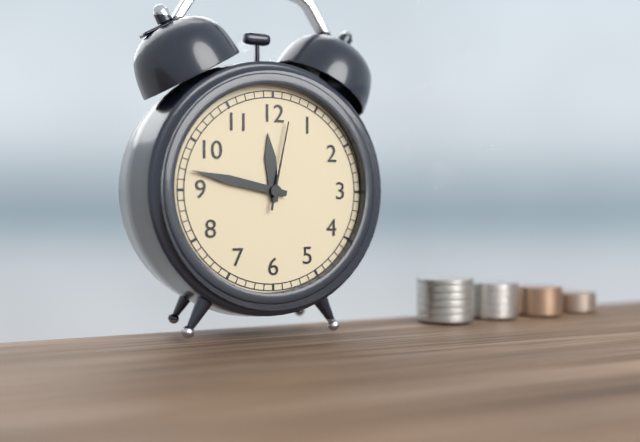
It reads 11h47m02s
